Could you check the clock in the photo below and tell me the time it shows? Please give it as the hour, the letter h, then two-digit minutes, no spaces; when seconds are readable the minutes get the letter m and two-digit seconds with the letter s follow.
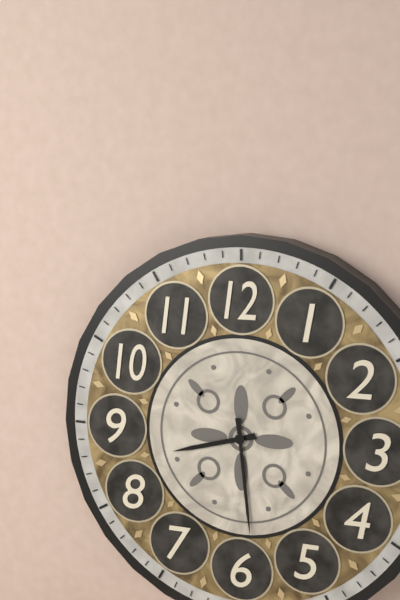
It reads 8h29
